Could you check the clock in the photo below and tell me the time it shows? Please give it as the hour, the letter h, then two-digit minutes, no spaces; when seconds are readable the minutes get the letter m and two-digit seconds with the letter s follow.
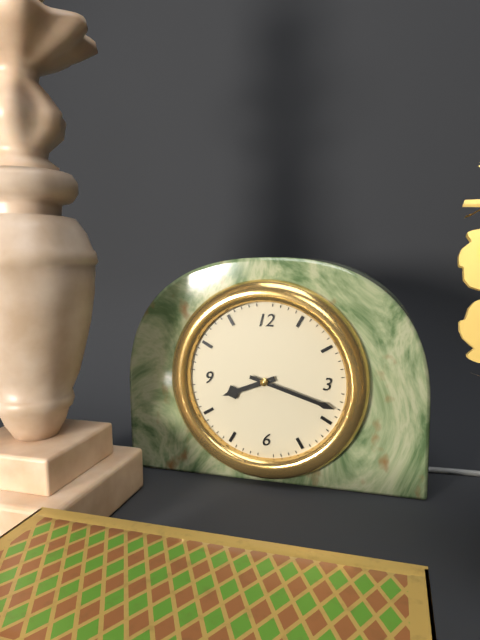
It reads 8h18
